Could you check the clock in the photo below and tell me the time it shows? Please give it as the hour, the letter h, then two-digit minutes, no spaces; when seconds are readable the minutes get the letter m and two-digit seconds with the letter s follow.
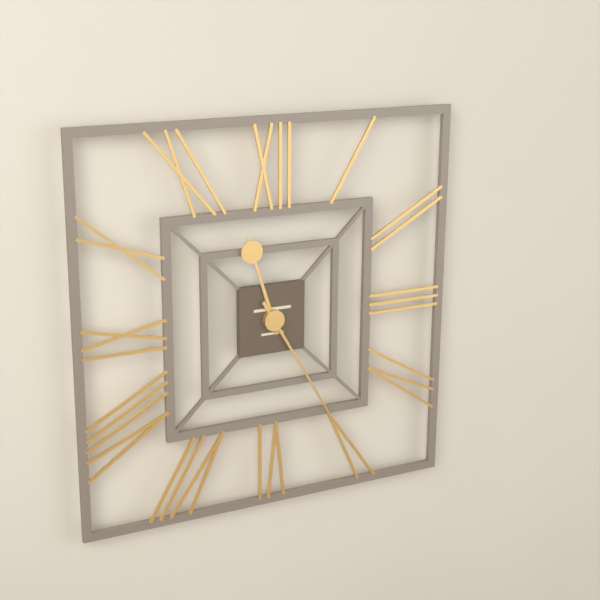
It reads 11h25
